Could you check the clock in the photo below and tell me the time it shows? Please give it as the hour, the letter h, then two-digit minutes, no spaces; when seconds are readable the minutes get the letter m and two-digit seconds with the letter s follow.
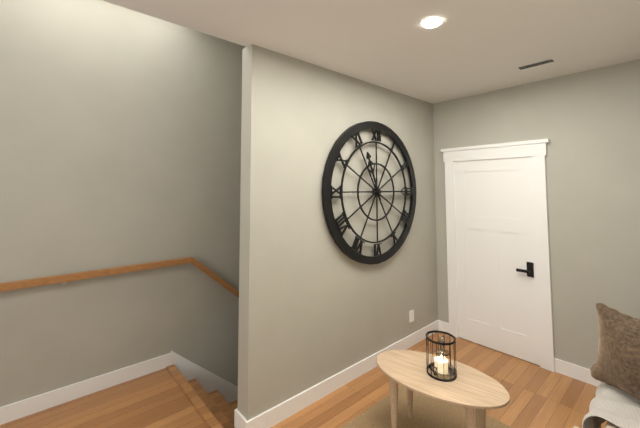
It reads 11h15
